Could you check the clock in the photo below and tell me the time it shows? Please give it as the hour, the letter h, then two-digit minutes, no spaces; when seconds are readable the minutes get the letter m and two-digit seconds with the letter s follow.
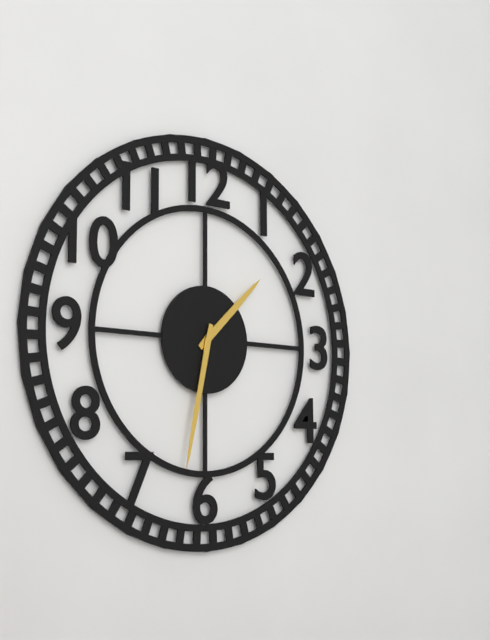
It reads 1h32
